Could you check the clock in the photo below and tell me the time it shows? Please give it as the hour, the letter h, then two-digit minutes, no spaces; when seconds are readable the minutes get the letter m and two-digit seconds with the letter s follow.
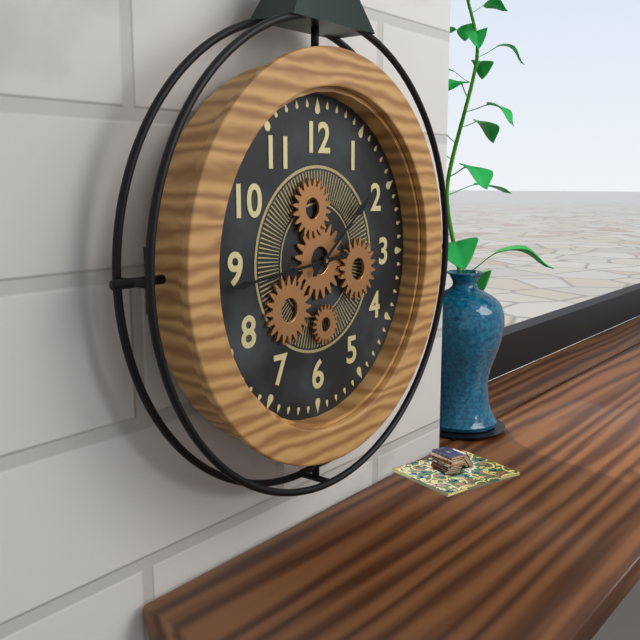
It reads 1h44
